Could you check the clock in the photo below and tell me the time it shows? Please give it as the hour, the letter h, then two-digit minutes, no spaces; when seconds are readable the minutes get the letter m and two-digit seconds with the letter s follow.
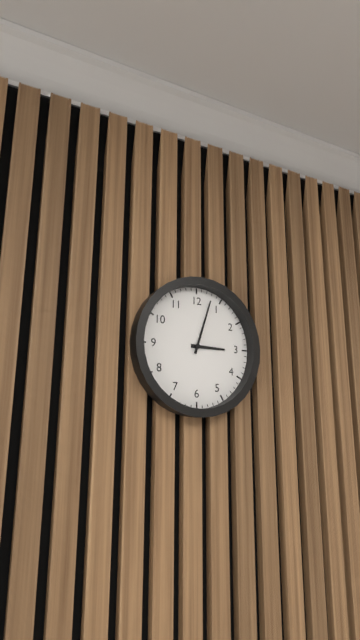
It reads 3h03
